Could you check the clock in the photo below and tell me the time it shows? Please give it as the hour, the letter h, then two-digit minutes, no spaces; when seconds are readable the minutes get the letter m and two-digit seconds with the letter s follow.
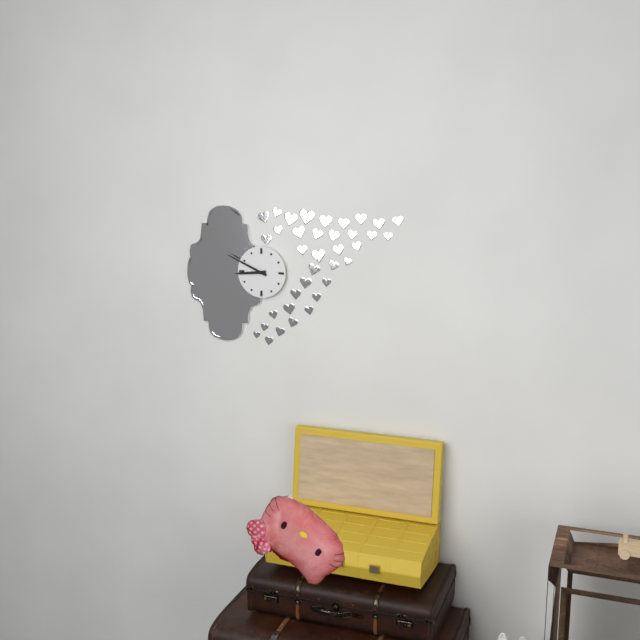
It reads 8h49
